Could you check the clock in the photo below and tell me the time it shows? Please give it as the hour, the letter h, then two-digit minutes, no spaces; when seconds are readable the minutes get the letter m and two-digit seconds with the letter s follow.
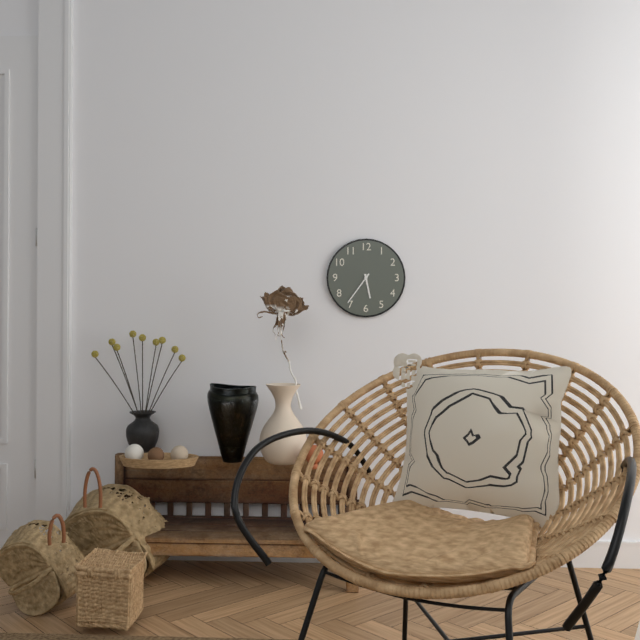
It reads 5h36
